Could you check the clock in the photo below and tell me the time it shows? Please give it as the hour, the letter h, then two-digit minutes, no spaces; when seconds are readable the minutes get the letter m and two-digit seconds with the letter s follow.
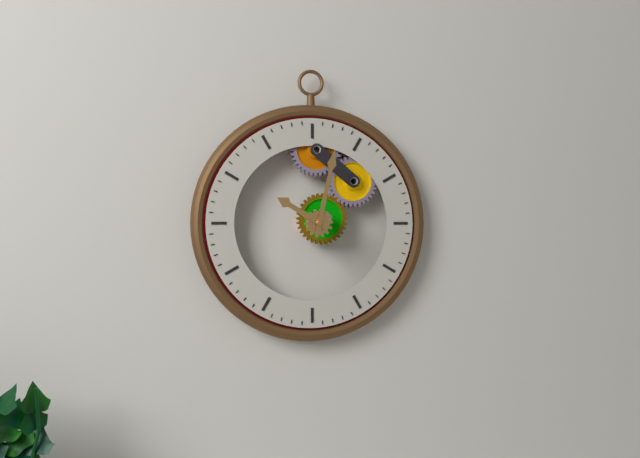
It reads 10h02
